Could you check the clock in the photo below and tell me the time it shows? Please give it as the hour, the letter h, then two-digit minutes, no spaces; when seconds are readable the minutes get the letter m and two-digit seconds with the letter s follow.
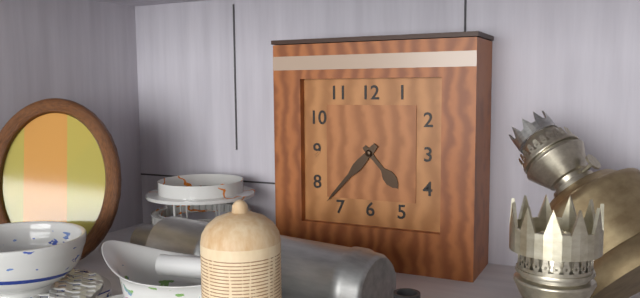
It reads 4h37
